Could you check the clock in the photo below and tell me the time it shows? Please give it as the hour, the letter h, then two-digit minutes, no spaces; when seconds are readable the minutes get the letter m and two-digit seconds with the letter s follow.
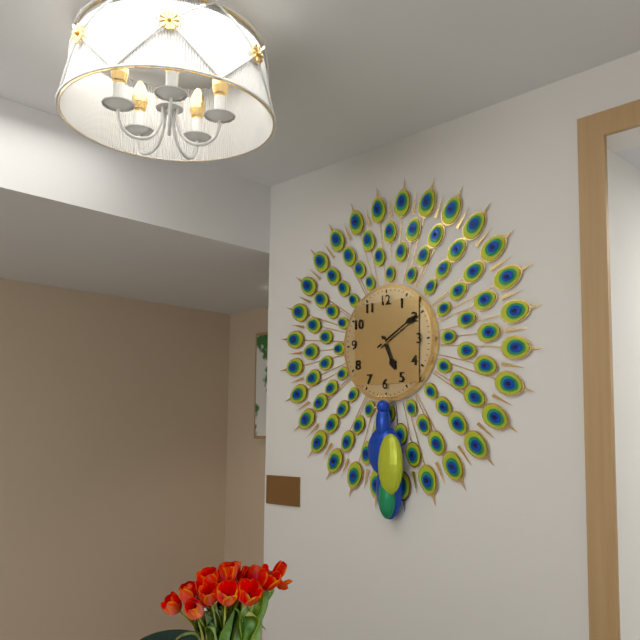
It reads 5h10
